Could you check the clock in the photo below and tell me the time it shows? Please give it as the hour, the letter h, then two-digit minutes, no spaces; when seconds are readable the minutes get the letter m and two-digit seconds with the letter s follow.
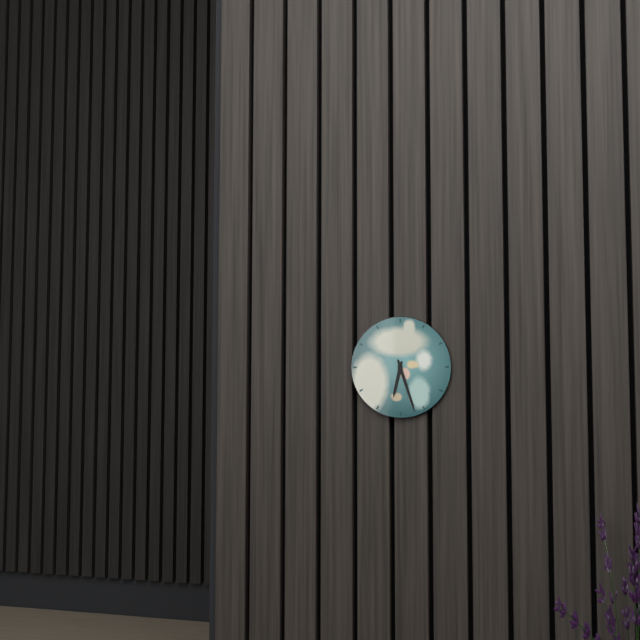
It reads 6h27
